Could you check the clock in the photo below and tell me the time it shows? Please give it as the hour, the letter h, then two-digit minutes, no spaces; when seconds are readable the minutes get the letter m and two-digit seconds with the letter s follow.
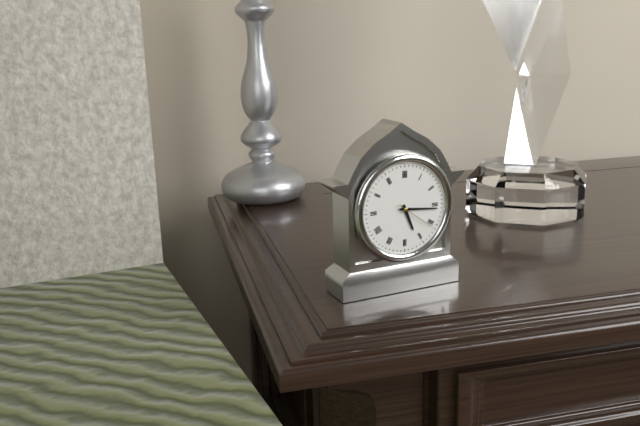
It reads 5h16
